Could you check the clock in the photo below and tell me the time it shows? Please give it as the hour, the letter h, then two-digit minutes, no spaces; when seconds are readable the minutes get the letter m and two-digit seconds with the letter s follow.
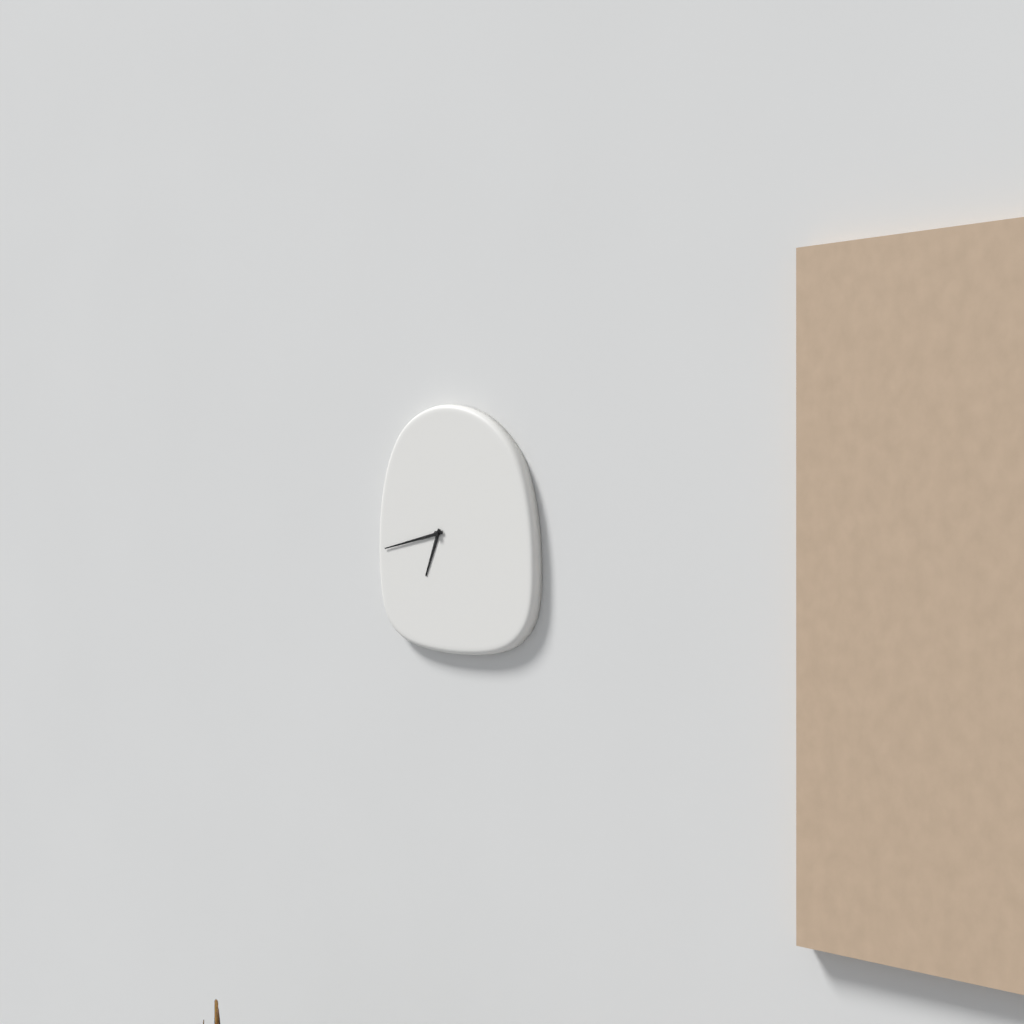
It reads 6h43
